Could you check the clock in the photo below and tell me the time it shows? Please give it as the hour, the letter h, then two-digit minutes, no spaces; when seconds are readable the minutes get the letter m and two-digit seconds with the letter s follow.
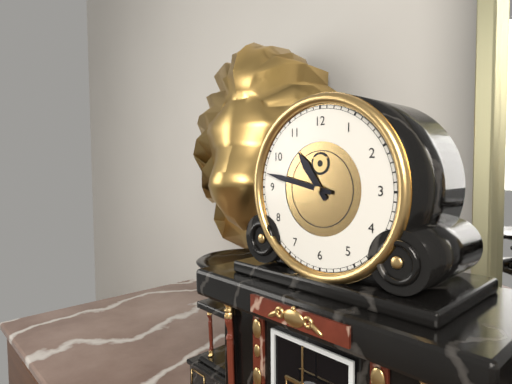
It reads 10h47
